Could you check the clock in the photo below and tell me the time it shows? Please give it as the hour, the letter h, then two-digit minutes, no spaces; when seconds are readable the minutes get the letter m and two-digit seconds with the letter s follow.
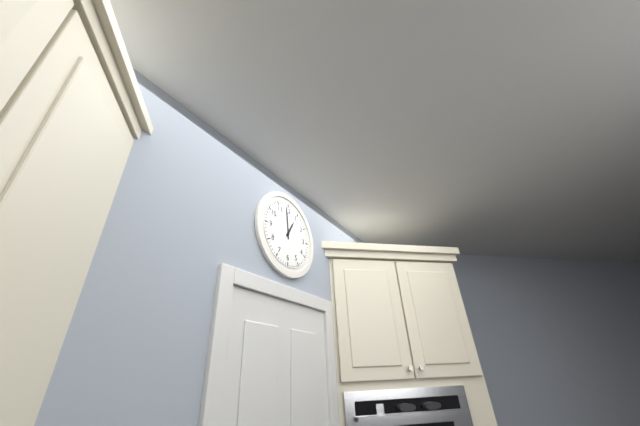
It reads 12h59
